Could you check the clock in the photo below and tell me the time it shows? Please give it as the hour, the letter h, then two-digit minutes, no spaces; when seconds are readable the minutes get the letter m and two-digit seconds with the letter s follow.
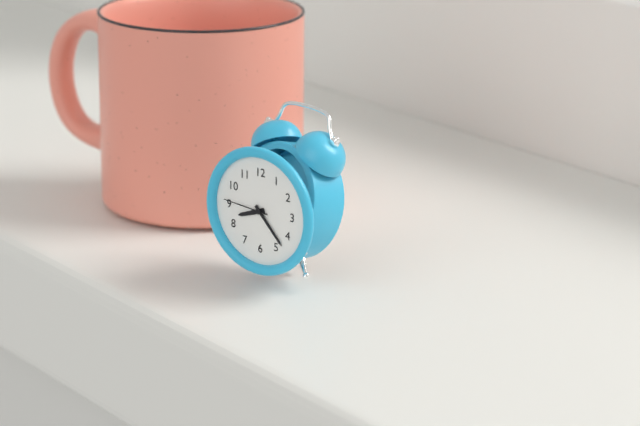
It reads 8h23
